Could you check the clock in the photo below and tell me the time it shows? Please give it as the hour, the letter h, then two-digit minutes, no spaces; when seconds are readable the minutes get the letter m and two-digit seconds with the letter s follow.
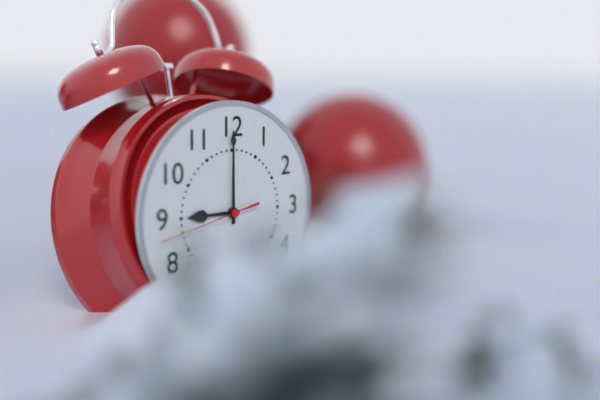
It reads 9h00m43s
